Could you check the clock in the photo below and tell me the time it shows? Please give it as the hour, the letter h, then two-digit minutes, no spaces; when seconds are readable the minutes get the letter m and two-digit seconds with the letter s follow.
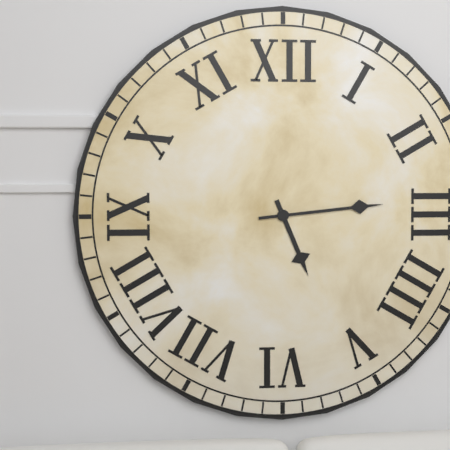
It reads 5h14
